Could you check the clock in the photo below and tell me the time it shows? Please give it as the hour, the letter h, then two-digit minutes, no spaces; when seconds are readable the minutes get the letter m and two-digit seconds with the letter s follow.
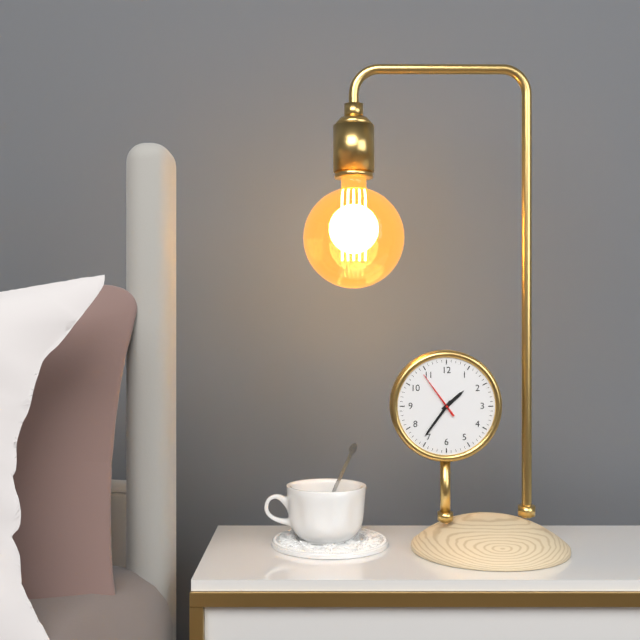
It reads 1h36
